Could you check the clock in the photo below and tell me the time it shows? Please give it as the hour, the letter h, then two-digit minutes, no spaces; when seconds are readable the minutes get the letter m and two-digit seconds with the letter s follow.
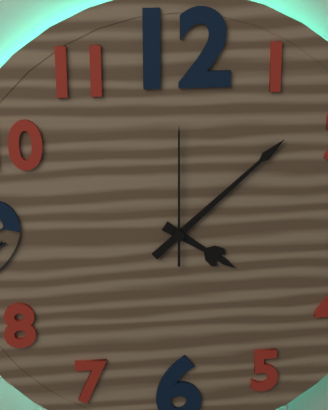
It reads 4h08m00s
